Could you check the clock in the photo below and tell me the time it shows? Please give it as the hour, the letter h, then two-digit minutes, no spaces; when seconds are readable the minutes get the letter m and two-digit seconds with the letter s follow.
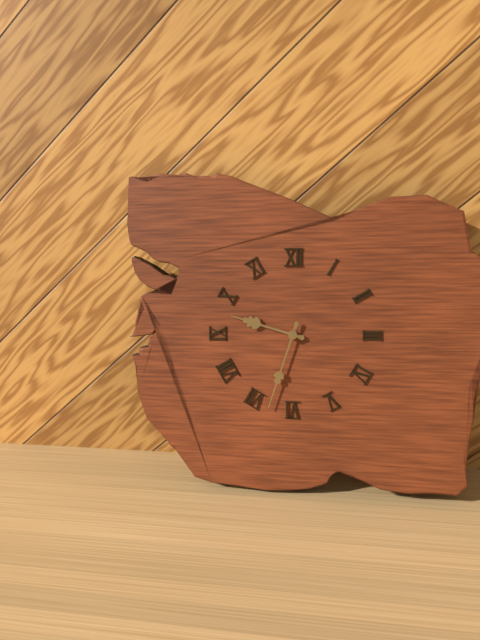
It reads 9h33
